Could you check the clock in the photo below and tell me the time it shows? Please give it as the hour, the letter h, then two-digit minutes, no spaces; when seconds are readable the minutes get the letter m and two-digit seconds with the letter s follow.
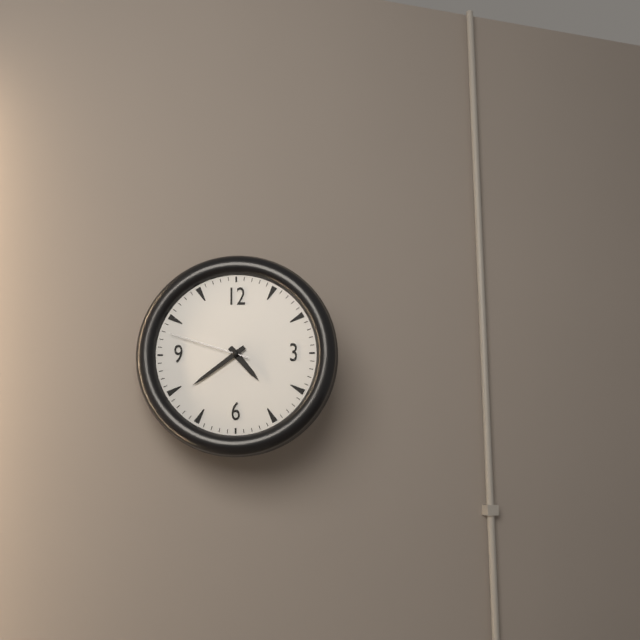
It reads 4h39m48s
